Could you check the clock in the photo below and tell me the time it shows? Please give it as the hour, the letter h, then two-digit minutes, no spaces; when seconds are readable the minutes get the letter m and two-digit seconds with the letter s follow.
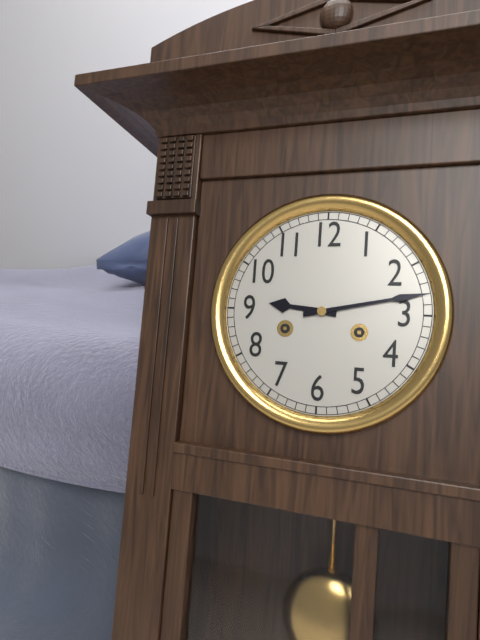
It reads 9h13
